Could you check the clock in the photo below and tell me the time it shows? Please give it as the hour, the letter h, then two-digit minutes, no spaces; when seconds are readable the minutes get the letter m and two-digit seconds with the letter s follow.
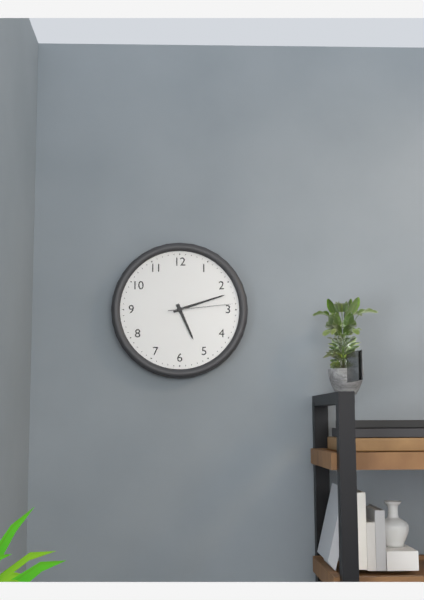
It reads 5h12m14s
